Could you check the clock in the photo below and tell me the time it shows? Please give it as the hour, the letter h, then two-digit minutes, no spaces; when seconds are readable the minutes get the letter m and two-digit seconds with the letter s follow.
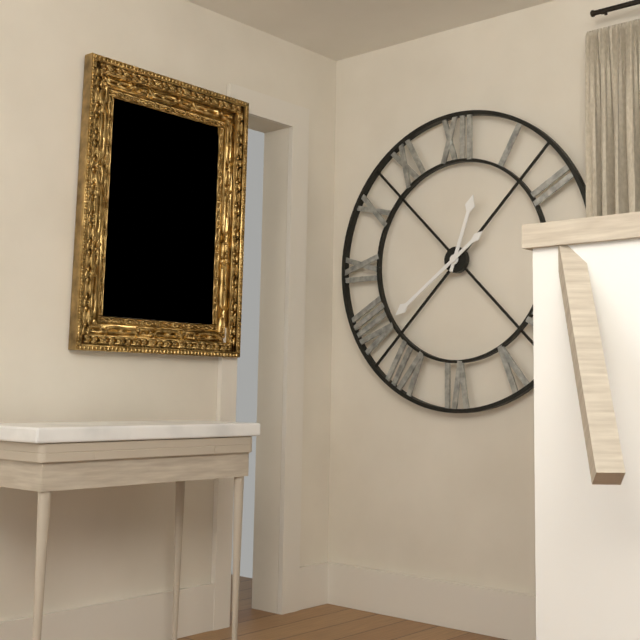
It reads 12h39
